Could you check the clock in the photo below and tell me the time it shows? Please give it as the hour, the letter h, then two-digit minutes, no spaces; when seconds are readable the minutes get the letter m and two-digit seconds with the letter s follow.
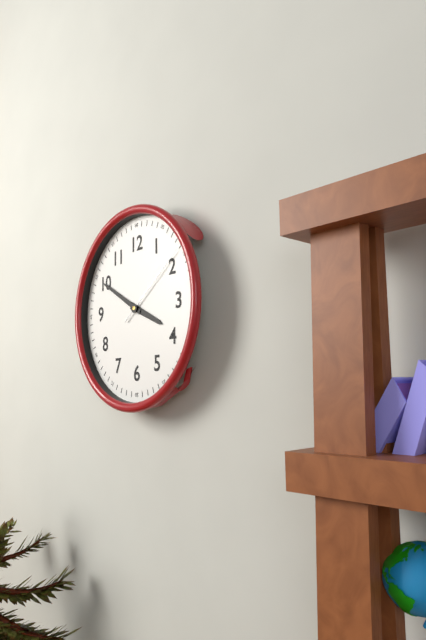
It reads 3h50m09s
